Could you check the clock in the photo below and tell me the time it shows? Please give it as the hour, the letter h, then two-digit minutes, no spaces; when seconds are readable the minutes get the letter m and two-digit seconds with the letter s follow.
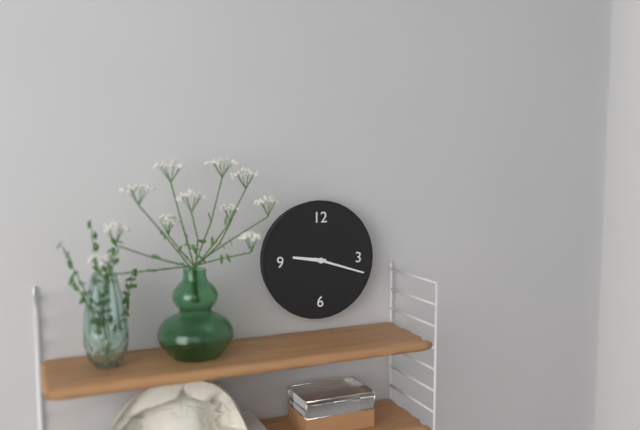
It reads 9h18
